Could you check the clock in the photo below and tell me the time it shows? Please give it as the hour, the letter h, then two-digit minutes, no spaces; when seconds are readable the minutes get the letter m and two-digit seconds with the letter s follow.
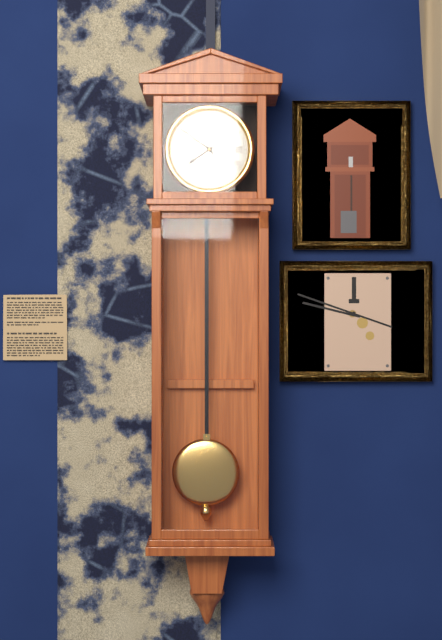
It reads 7h51
